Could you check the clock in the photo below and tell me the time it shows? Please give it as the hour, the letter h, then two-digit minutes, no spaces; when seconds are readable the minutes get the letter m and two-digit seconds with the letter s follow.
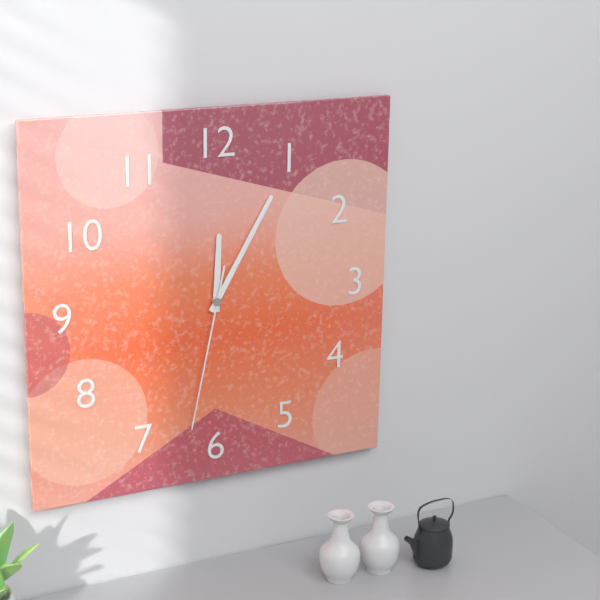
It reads 12h05m32s
